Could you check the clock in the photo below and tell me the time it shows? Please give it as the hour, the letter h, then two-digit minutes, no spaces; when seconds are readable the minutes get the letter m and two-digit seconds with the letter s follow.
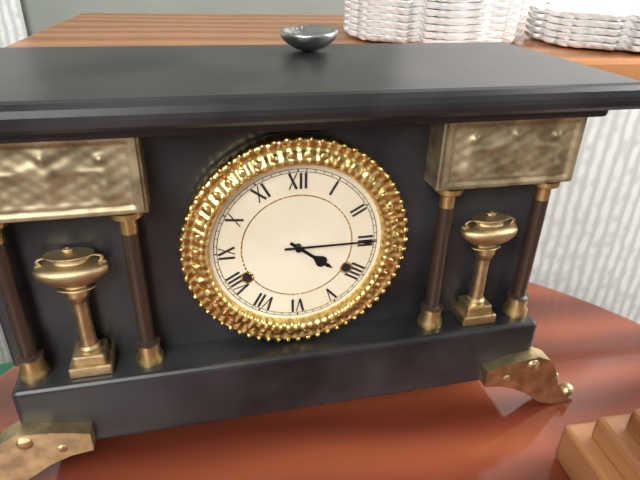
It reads 4h15
